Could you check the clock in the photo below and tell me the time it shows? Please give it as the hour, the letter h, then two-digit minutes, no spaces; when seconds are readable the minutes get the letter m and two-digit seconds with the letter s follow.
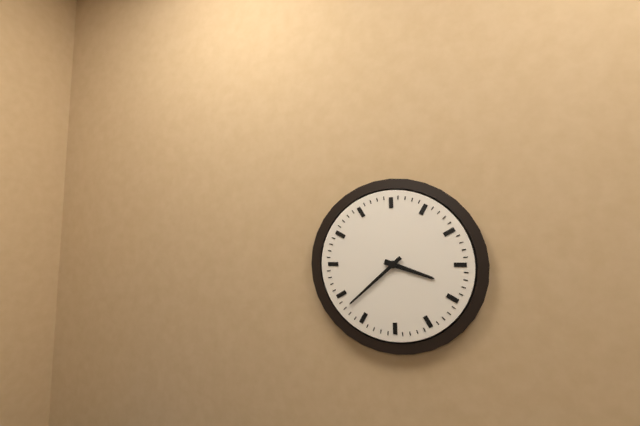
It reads 3h38
